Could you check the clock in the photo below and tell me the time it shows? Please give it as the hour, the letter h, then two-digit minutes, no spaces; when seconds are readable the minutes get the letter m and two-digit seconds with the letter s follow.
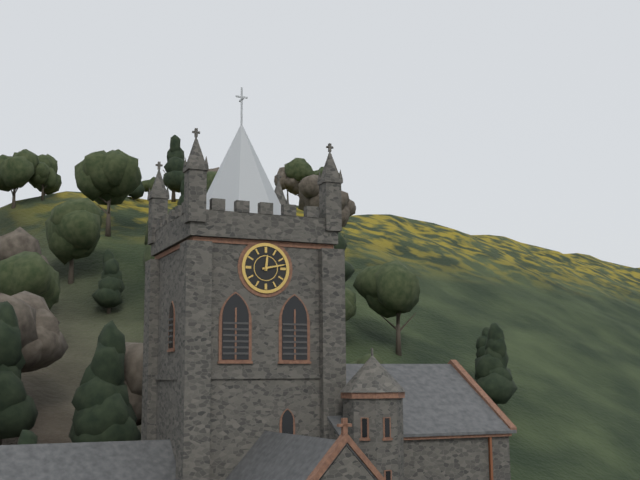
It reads 12h13
